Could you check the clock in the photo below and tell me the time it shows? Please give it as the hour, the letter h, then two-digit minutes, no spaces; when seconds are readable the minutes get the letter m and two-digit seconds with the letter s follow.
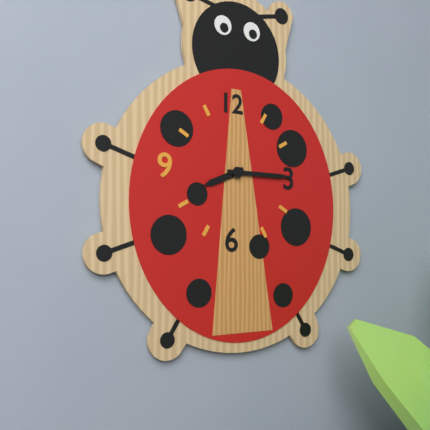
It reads 8h15
